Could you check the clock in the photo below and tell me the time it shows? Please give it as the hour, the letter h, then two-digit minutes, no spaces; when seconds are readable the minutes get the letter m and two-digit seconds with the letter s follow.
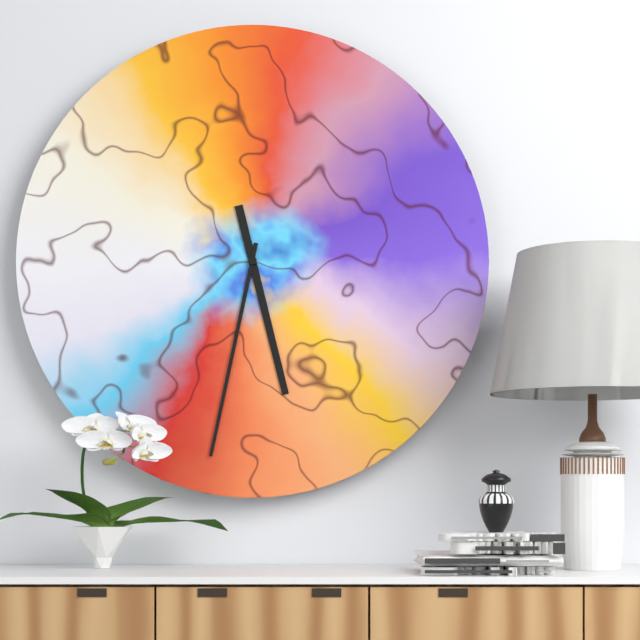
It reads 5h32
